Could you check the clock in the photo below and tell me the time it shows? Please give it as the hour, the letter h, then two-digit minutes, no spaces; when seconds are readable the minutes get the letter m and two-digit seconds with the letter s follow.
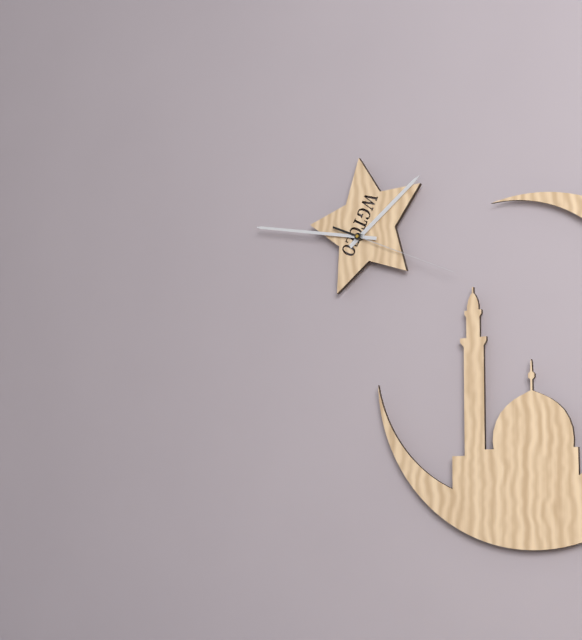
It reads 1h47m19s
